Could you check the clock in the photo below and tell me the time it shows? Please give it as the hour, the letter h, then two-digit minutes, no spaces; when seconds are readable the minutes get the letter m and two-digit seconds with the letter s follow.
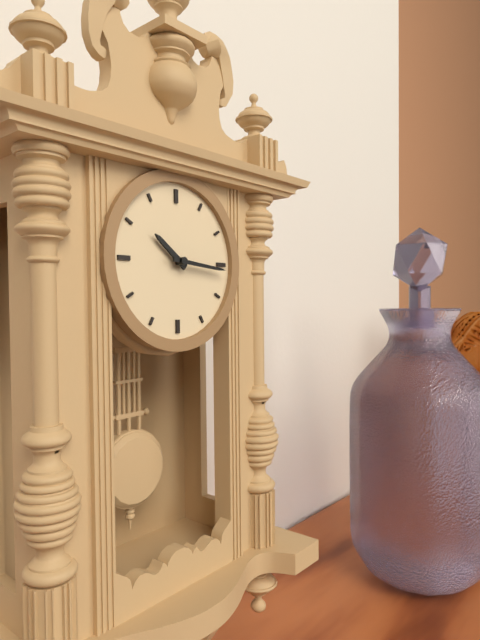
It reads 10h16
